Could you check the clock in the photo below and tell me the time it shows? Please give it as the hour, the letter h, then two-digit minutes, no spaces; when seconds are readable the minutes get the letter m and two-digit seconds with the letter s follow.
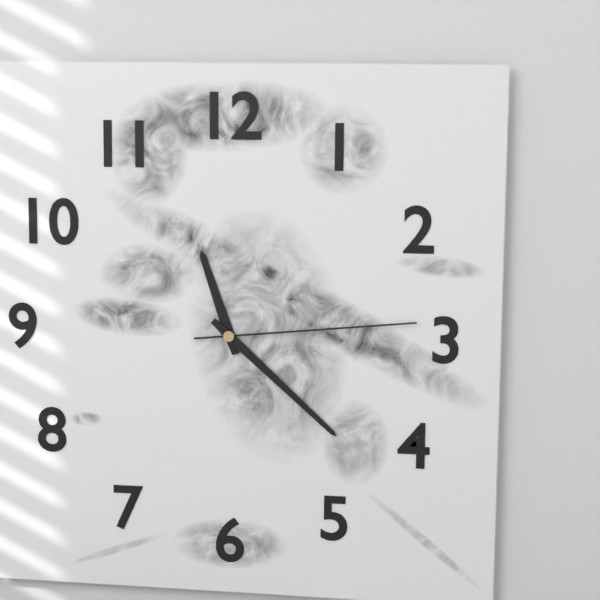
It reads 11h22m14s
